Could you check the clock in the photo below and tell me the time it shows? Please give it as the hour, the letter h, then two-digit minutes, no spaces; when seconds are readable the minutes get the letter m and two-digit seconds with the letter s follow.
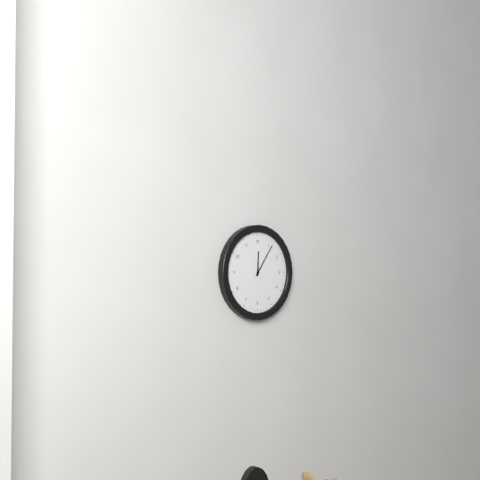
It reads 12h06
